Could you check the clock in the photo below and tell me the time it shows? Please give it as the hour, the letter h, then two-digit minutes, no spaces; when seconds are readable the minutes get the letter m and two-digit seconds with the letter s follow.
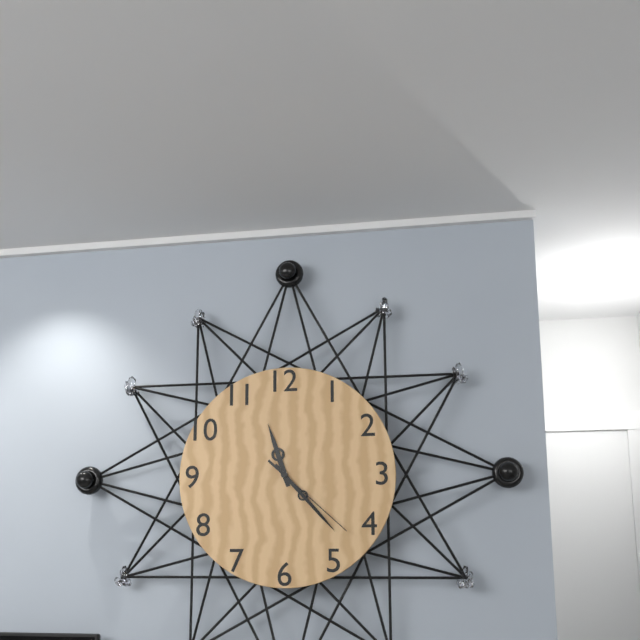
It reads 11h23m22s
